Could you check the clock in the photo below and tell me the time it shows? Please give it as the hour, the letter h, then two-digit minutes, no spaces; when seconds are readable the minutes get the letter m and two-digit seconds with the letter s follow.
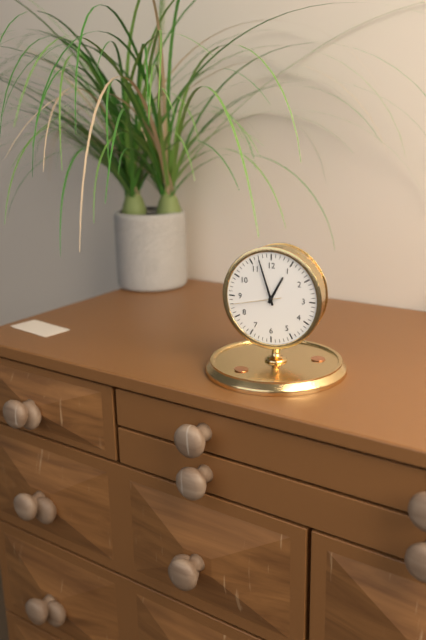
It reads 12h57m43s
